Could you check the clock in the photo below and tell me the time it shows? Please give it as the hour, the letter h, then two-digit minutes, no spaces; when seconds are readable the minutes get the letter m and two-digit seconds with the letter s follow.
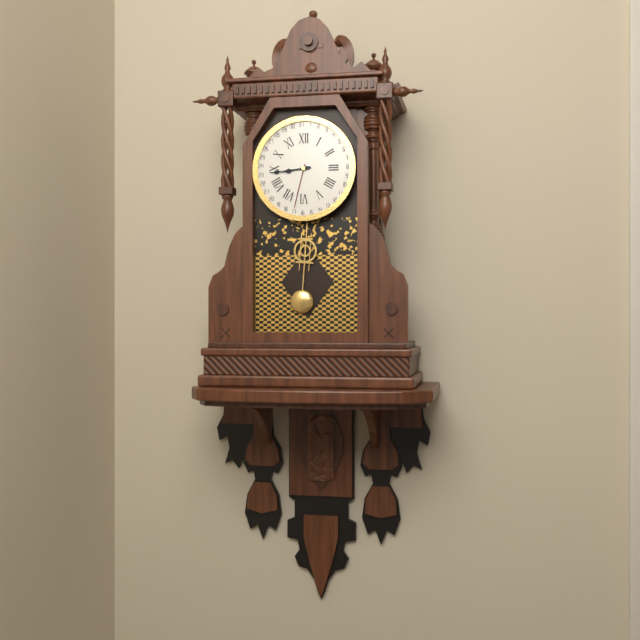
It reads 8h44
